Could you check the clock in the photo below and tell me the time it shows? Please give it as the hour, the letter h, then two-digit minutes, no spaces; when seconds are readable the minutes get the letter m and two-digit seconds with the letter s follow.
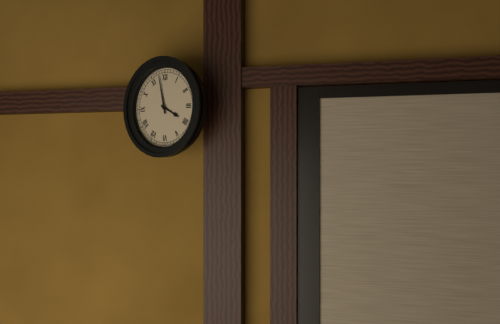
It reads 3h58
